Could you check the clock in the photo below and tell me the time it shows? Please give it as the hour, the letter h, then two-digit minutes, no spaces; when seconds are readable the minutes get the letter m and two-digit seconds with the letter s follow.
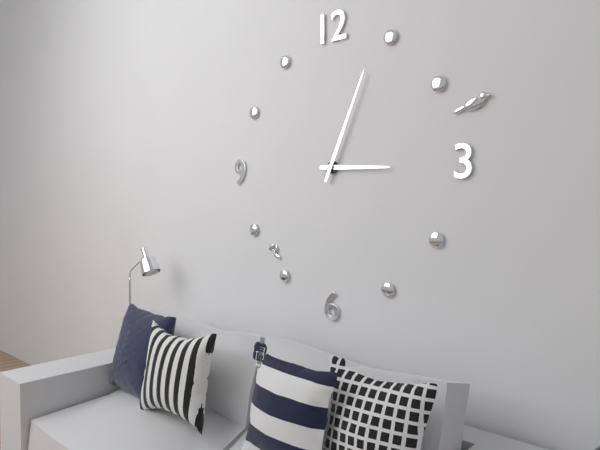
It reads 3h04
